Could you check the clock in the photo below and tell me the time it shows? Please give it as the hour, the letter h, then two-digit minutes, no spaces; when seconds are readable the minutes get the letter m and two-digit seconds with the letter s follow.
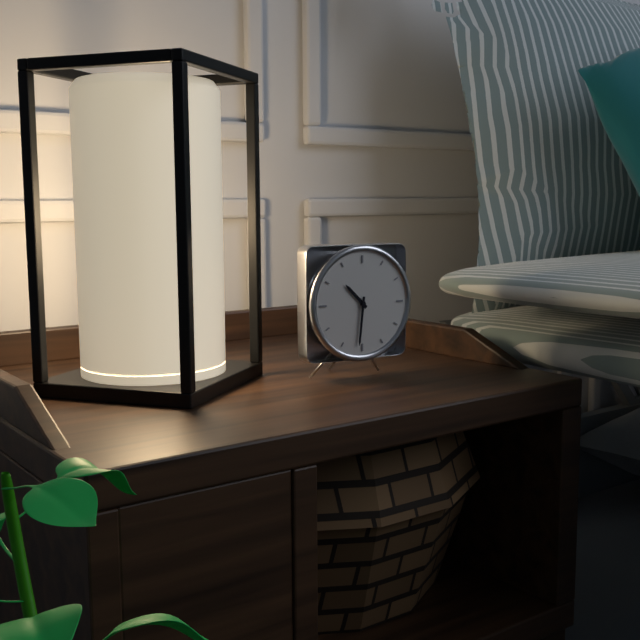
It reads 10h31
